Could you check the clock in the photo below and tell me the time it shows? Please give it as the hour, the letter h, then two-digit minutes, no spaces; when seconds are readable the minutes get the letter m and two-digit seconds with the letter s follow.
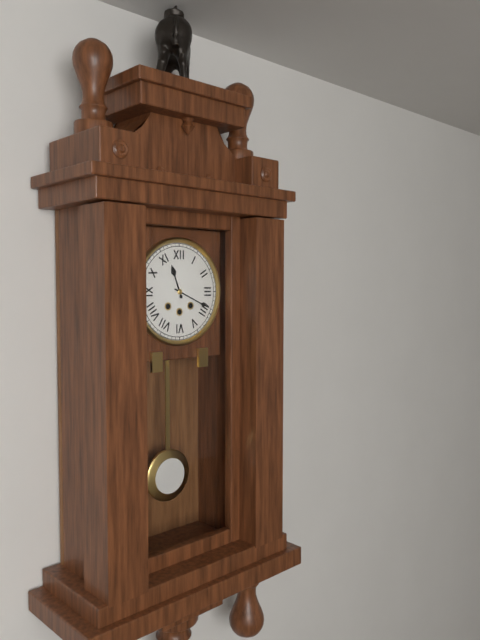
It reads 11h19
